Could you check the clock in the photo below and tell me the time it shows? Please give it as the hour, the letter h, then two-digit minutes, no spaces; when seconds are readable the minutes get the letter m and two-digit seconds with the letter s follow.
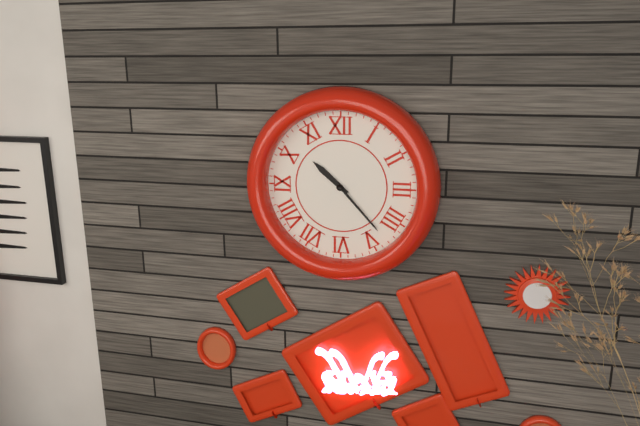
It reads 10h23
